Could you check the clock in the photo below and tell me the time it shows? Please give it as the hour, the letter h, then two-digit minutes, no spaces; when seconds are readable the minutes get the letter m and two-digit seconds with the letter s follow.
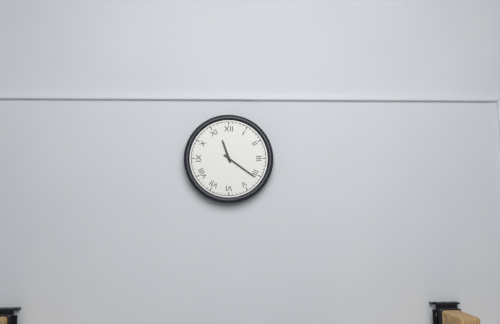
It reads 11h21
